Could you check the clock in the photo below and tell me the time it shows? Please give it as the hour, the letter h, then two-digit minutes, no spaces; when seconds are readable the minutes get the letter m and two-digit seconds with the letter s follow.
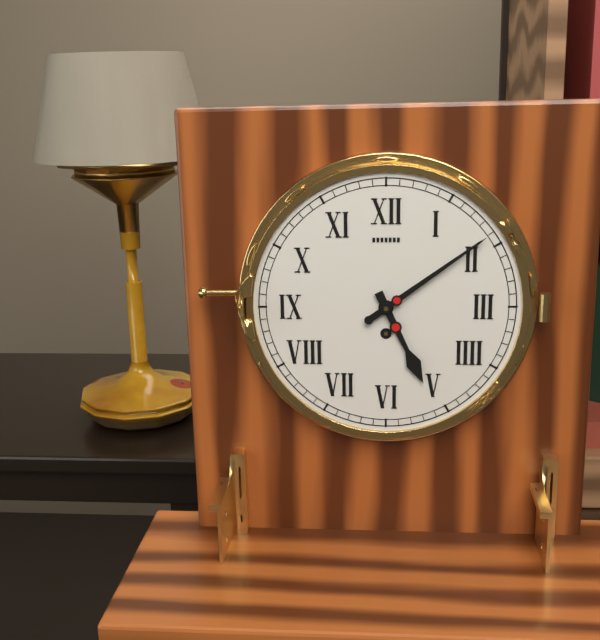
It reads 5h09
